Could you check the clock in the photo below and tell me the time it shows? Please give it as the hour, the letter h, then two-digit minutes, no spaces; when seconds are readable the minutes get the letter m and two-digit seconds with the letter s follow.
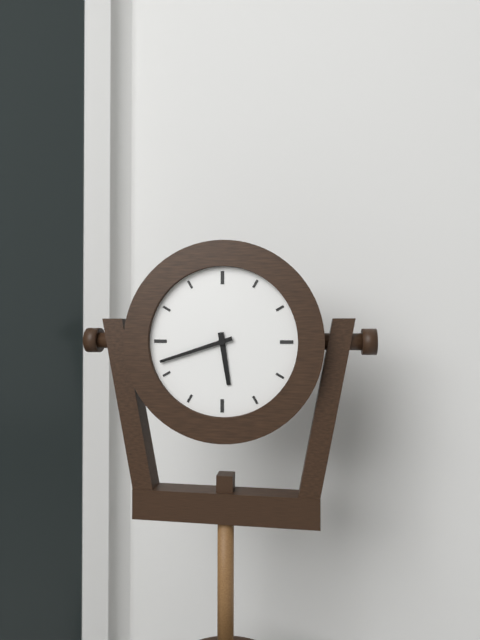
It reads 5h42
